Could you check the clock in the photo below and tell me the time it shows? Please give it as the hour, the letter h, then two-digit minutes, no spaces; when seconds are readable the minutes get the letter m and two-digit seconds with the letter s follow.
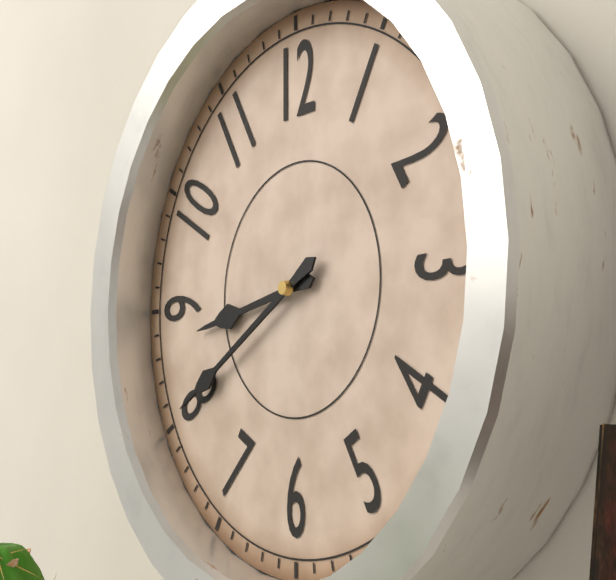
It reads 8h40
